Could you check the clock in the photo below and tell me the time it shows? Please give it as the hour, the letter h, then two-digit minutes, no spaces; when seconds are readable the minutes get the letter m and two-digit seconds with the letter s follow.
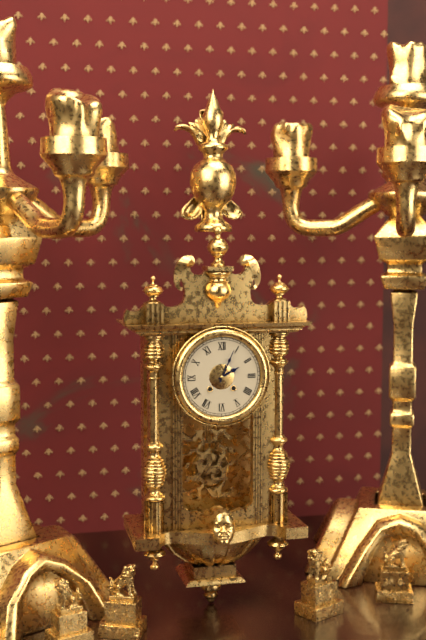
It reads 2h04
